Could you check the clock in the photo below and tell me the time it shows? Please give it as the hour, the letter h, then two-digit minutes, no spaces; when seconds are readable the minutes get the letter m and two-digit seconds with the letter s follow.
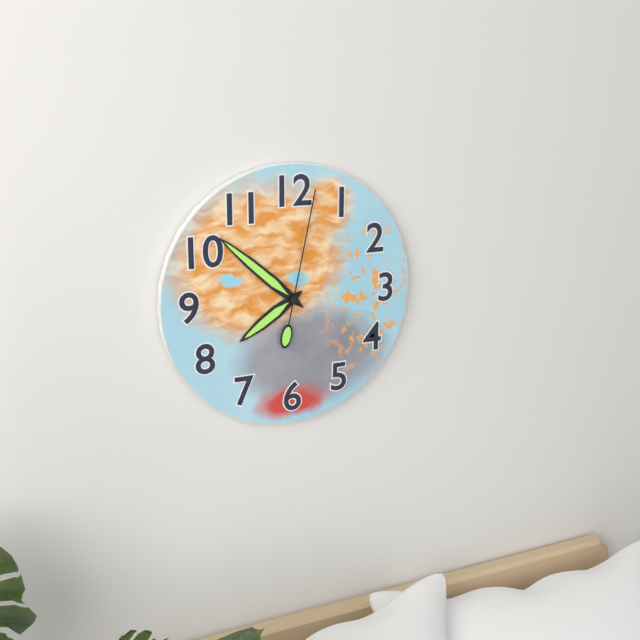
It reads 7h52m02s
